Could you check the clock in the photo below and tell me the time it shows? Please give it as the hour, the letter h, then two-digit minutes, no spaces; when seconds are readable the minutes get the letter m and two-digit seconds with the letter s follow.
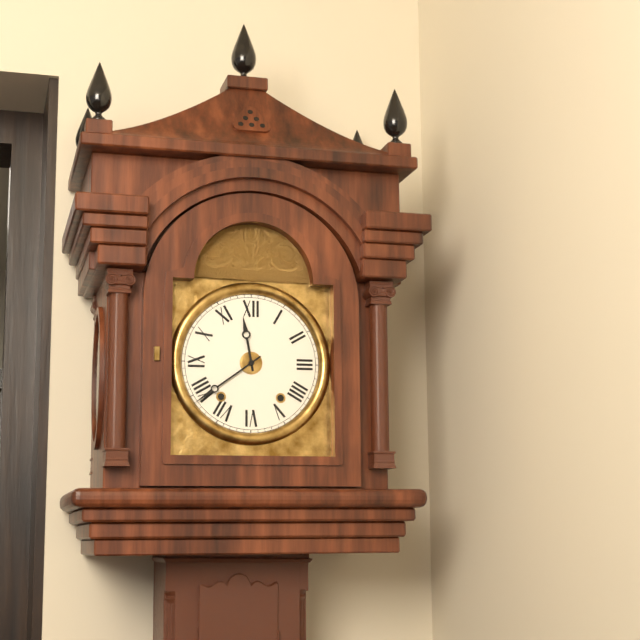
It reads 11h39
